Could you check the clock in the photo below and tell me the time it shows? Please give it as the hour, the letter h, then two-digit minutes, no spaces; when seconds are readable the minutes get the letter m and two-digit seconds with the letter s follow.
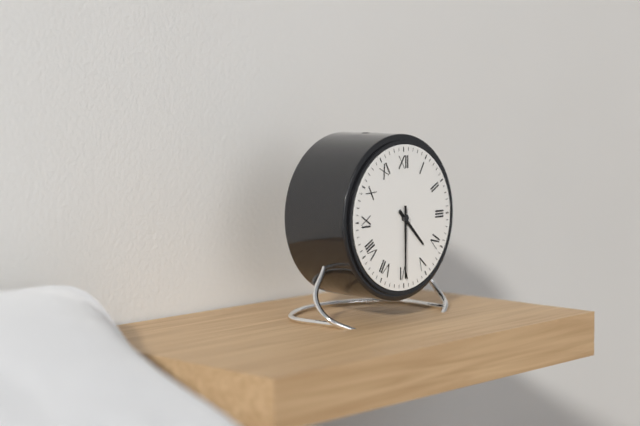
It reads 4h30
